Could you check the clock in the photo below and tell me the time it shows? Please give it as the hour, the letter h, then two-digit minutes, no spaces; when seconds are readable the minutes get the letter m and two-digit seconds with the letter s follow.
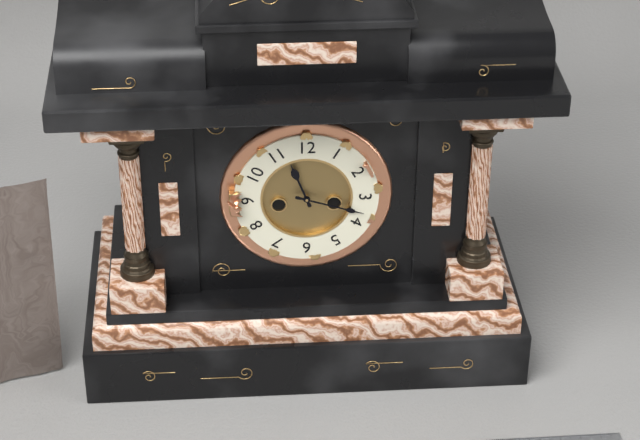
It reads 11h18
